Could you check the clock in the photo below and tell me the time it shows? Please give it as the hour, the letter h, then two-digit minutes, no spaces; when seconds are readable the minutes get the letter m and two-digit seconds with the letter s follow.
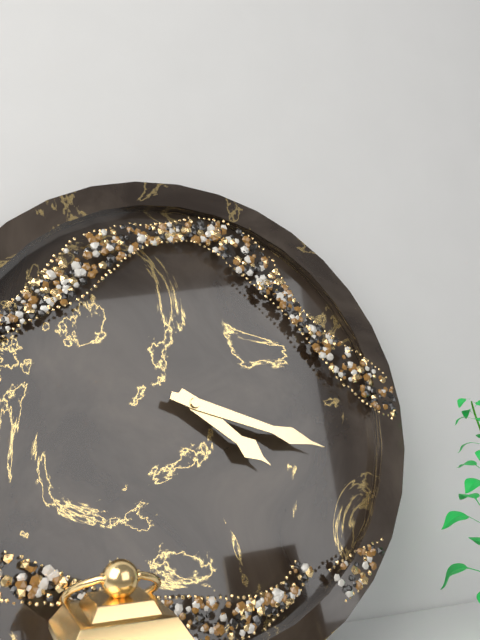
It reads 4h18
